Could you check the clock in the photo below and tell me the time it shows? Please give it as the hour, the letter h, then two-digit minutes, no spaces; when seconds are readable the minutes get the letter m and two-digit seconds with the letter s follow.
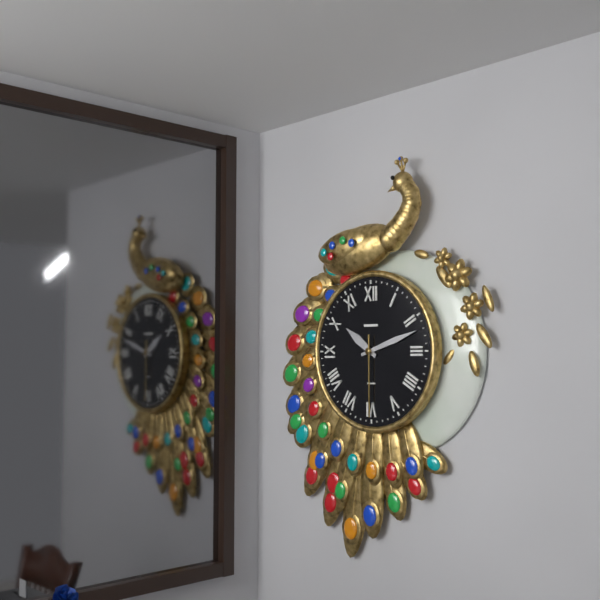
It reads 10h12m30s
